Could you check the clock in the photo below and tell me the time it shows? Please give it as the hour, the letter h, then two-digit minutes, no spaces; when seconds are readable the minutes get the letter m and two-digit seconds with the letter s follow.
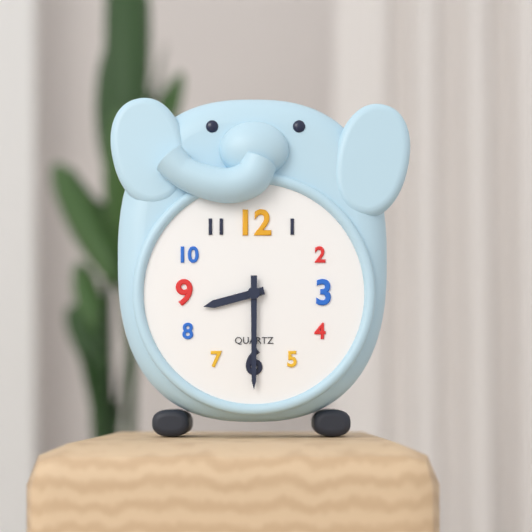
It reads 8h30
